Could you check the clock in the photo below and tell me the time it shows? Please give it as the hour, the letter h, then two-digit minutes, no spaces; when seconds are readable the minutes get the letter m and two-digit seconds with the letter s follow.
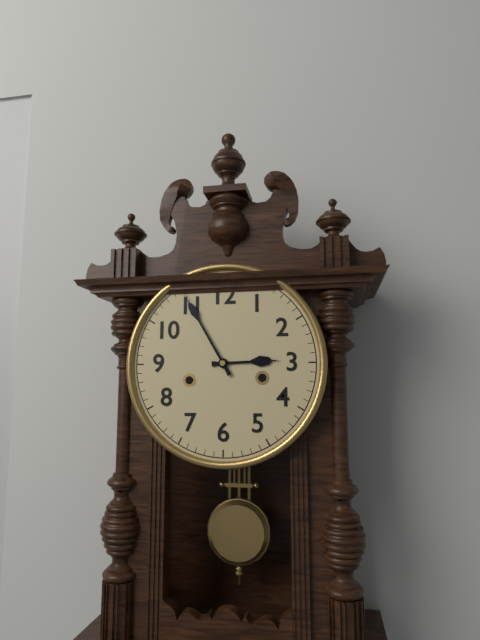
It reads 2h55
